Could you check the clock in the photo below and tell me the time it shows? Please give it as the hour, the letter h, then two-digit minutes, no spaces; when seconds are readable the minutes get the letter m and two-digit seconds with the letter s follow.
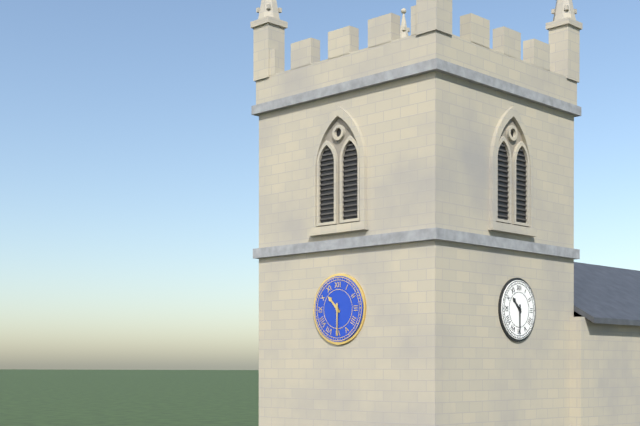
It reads 10h30
